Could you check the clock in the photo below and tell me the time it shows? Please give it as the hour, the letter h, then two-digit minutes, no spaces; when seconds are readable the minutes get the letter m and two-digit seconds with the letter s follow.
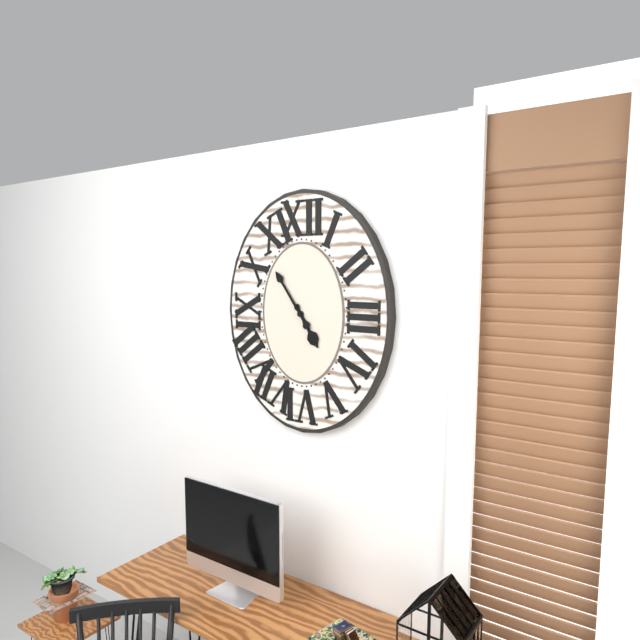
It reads 4h54
